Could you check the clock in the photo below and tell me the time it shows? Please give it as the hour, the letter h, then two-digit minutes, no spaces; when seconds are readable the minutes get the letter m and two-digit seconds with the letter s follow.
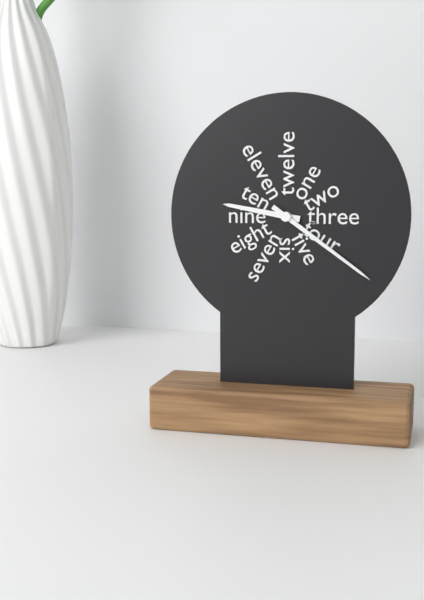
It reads 9h21
